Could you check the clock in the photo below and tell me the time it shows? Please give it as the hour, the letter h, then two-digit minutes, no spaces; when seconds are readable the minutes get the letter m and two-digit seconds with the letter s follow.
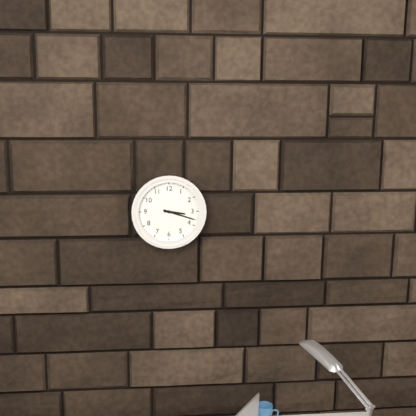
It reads 3h18
